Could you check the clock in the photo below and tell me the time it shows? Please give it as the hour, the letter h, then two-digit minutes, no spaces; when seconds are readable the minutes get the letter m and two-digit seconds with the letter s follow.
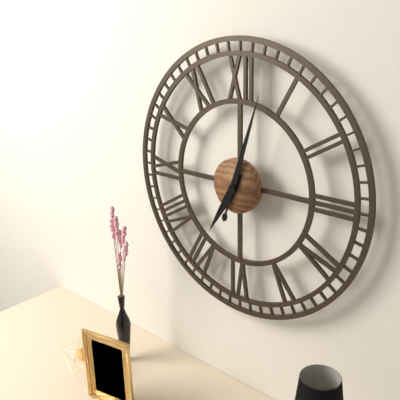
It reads 7h03
